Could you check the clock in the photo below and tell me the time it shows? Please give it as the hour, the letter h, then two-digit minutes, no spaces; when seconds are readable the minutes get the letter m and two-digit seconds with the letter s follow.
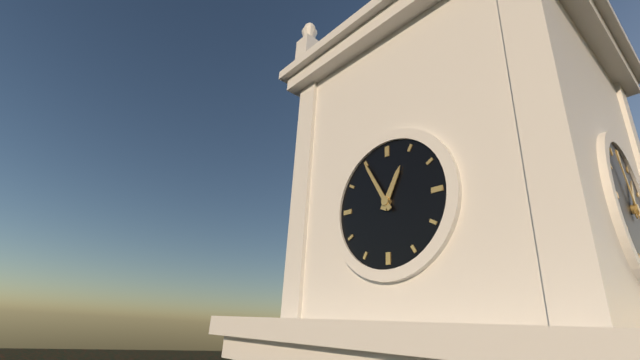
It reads 12h55
